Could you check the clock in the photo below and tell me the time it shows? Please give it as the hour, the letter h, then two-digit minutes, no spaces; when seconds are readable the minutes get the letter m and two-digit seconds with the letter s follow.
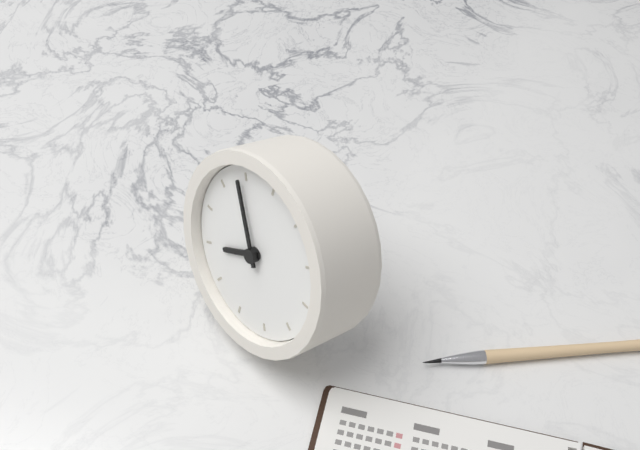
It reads 7h54
